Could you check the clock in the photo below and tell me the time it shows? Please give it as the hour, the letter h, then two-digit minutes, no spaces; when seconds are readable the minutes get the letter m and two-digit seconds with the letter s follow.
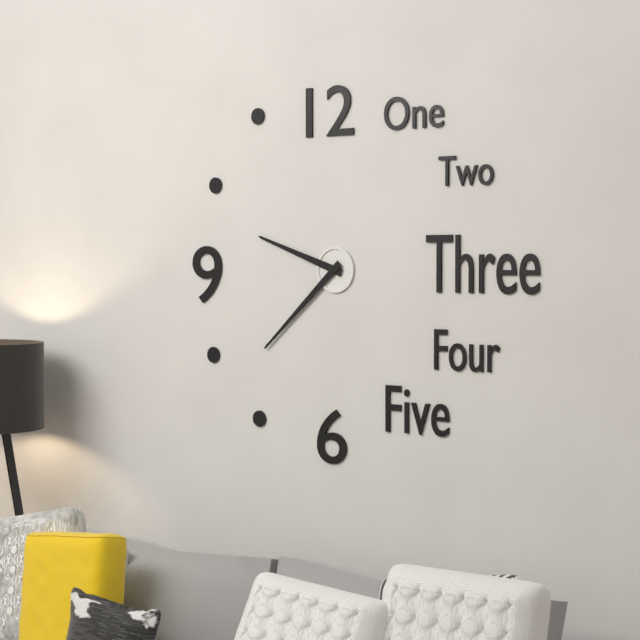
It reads 9h38
